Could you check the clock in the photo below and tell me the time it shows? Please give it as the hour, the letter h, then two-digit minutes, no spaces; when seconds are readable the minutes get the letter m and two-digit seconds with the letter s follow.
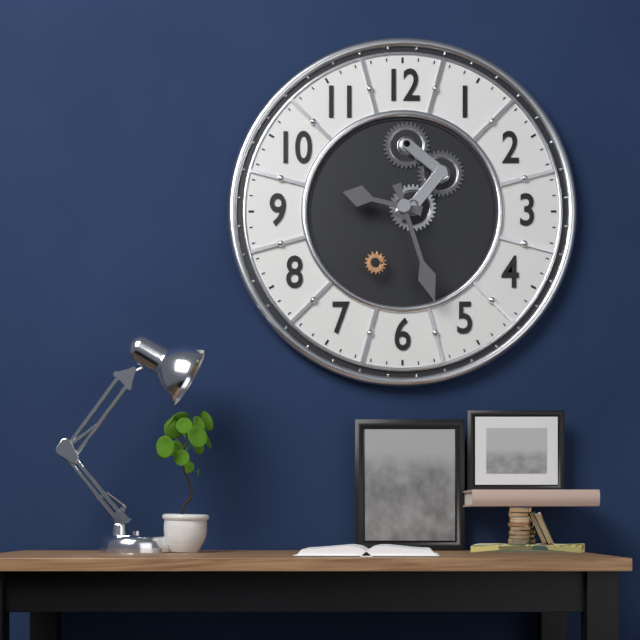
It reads 9h27
